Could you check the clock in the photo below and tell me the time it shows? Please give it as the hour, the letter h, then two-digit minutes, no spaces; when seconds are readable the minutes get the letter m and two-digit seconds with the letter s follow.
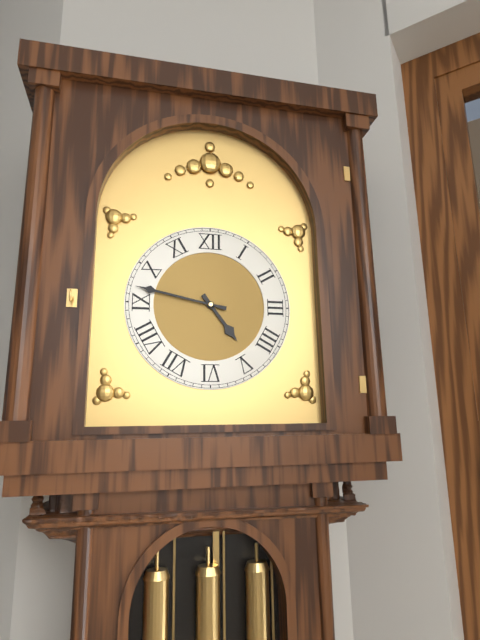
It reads 4h47
